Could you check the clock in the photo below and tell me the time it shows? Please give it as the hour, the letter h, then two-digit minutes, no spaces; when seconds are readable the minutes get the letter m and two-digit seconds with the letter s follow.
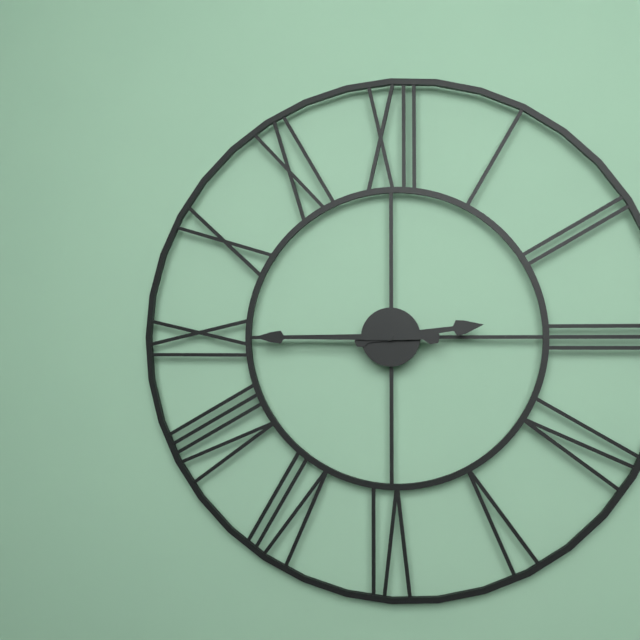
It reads 2h45
